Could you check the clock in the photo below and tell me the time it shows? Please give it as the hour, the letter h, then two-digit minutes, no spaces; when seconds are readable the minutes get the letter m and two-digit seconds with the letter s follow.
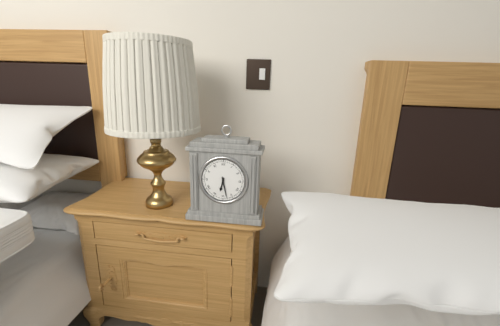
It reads 6h28
